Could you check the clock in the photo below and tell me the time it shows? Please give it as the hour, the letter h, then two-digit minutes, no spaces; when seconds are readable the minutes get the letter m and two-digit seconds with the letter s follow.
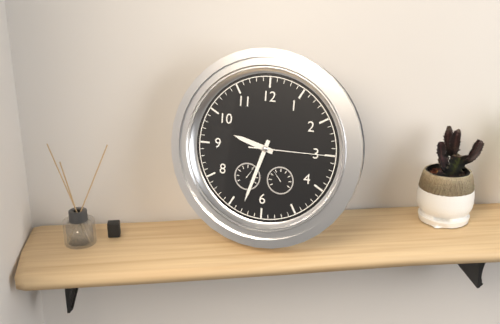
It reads 9h33m15s
